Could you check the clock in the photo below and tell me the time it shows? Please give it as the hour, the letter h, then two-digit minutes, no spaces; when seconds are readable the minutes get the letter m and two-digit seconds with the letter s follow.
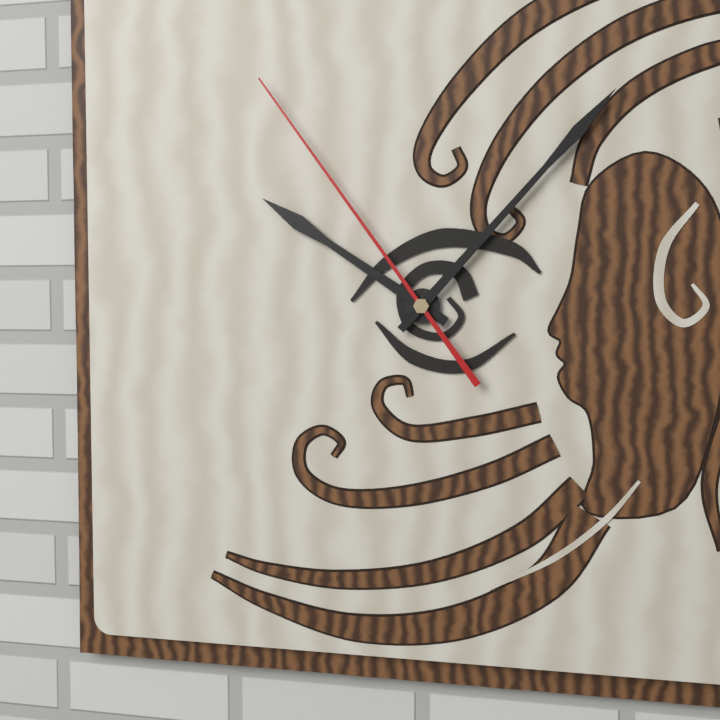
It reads 10h07m54s
